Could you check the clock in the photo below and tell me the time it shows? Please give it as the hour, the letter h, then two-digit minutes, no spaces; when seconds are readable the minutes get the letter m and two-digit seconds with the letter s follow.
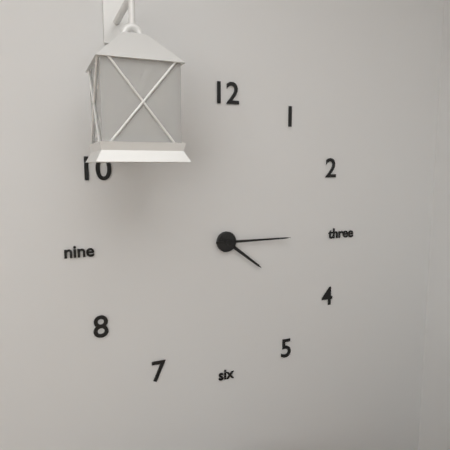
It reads 4h15
